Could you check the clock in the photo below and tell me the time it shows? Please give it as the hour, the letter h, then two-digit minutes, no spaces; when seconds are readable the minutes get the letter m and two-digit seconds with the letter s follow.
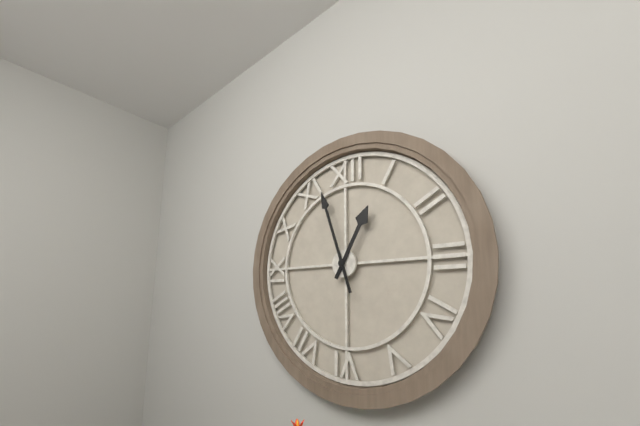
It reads 12h57
